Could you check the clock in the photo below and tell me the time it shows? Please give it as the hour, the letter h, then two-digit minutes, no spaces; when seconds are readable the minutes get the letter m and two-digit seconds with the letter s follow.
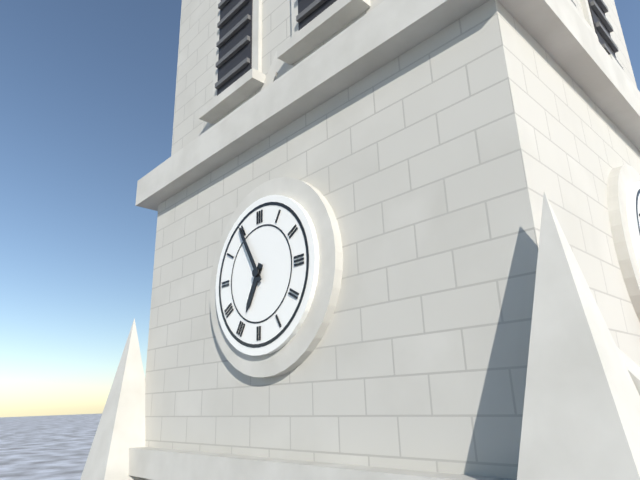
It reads 6h55
